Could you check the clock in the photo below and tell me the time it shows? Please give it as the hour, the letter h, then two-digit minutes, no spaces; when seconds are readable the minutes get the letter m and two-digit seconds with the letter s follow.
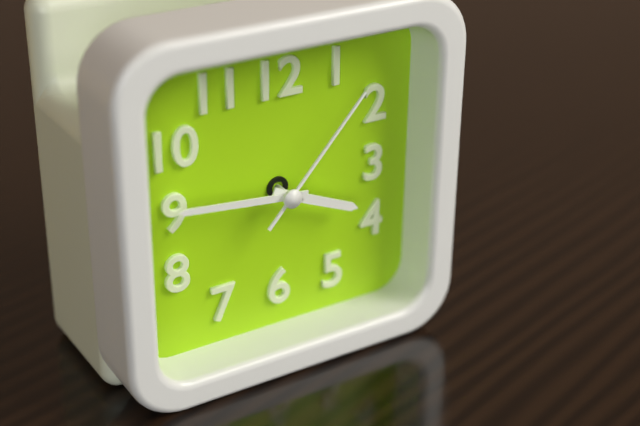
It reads 3h46m07s
